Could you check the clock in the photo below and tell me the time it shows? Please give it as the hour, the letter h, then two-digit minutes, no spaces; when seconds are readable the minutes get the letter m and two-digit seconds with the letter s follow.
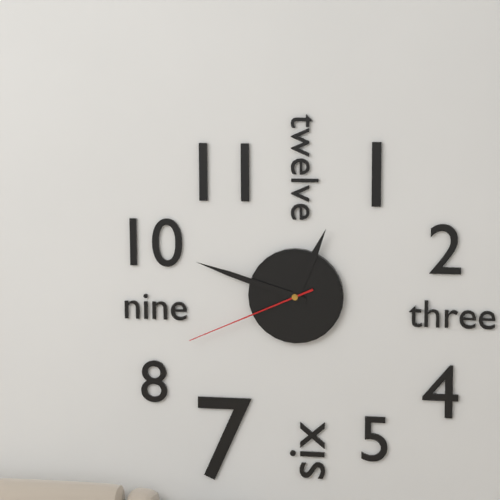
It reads 12h48m41s
